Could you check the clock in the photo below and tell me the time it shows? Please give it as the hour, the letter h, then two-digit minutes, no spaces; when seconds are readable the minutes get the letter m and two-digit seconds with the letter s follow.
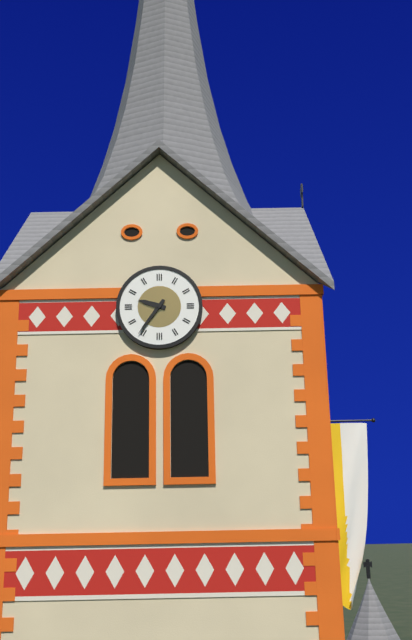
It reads 9h36
